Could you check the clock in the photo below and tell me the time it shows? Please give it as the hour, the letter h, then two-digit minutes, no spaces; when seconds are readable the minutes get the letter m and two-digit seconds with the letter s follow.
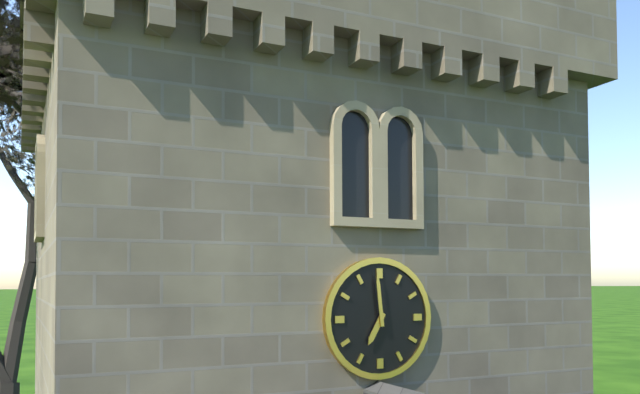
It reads 6h59
